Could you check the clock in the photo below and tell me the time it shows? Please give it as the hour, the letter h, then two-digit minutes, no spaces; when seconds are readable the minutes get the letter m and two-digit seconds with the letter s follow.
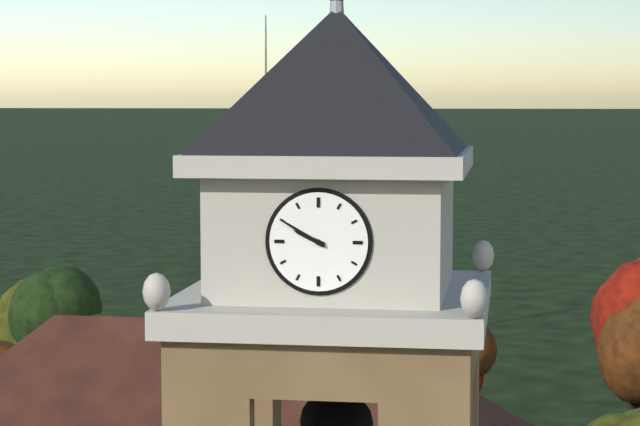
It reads 9h50
